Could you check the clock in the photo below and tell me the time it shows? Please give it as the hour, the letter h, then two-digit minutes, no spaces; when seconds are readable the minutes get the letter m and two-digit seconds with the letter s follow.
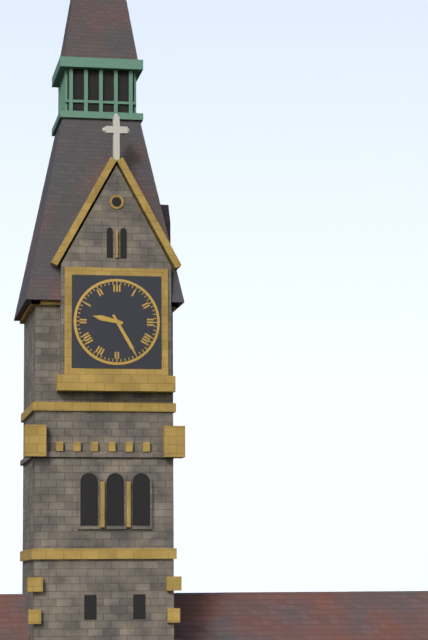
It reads 9h25
